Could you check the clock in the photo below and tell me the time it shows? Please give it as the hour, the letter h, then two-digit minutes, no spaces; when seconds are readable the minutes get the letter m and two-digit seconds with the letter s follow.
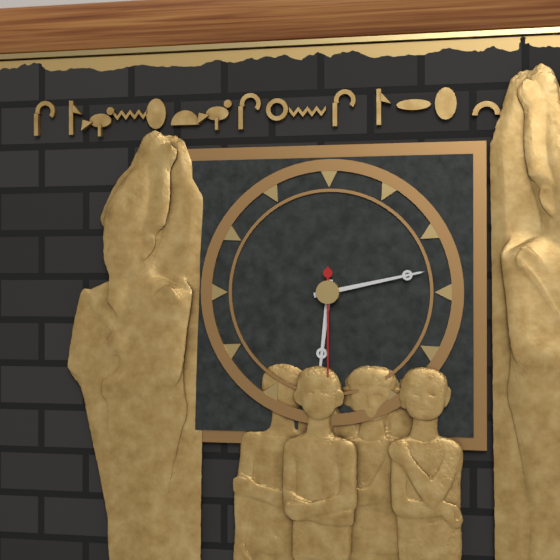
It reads 6h13m30s
